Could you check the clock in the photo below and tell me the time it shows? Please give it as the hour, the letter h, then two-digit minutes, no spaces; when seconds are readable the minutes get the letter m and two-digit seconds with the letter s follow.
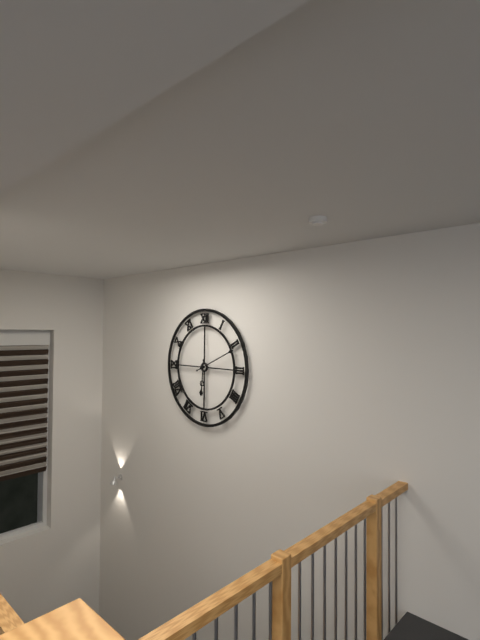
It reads 6h11
